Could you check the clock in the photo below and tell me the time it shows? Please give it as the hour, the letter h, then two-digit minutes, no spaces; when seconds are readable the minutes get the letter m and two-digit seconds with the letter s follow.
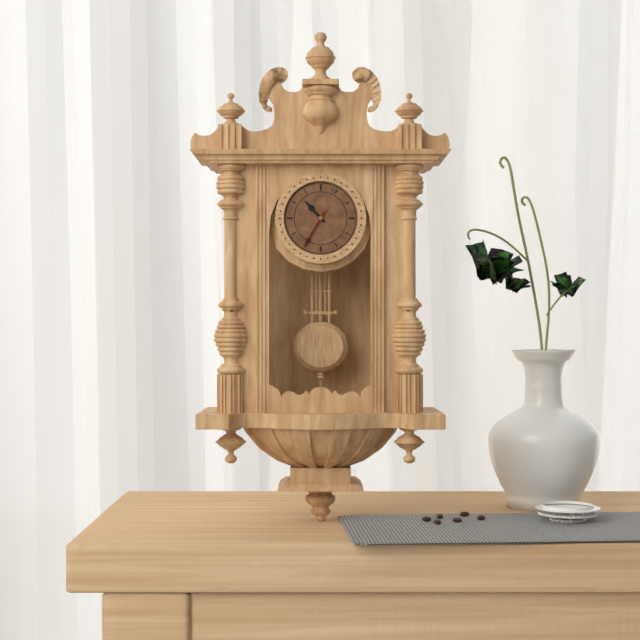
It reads 10h35
